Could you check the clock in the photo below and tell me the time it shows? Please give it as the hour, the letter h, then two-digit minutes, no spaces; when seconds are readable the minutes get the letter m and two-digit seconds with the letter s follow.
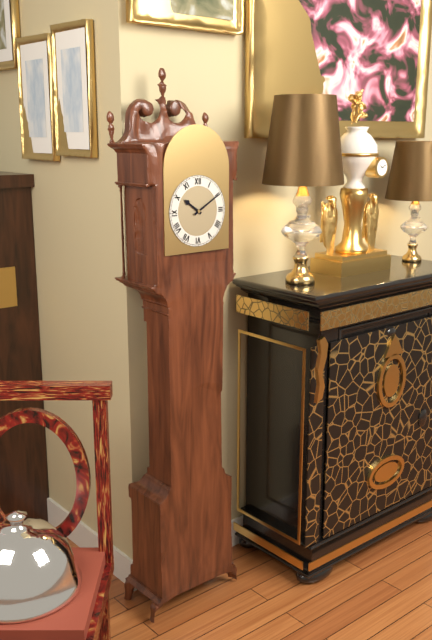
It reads 10h10
